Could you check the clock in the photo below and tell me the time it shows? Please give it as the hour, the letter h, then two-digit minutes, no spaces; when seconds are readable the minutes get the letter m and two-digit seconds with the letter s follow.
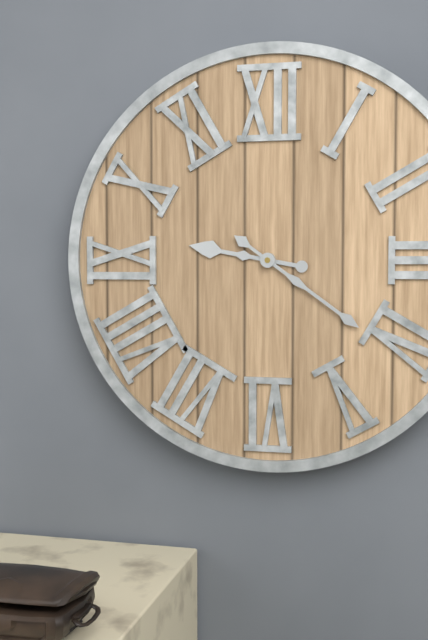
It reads 9h21
